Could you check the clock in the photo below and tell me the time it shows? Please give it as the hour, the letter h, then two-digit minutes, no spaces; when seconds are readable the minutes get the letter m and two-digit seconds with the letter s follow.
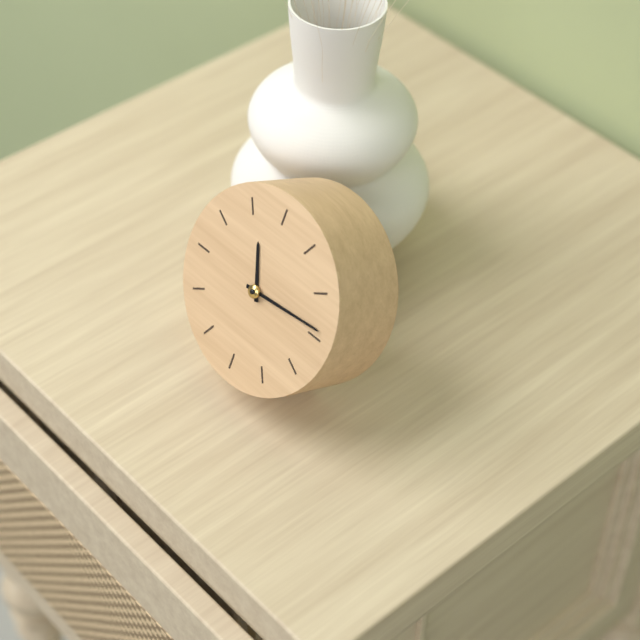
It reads 11h14
